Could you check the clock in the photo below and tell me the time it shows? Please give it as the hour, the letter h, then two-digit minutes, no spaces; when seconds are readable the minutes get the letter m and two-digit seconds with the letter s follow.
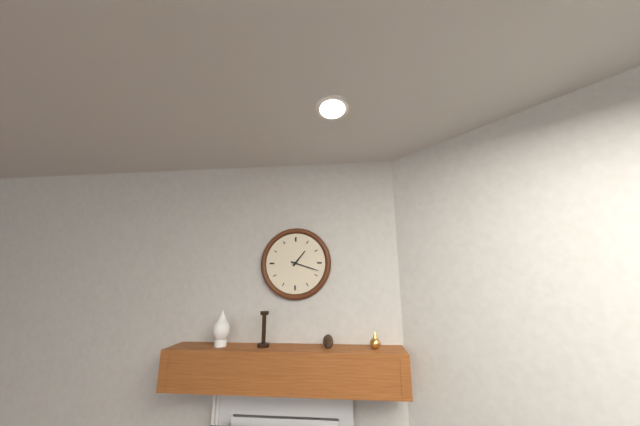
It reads 1h18
